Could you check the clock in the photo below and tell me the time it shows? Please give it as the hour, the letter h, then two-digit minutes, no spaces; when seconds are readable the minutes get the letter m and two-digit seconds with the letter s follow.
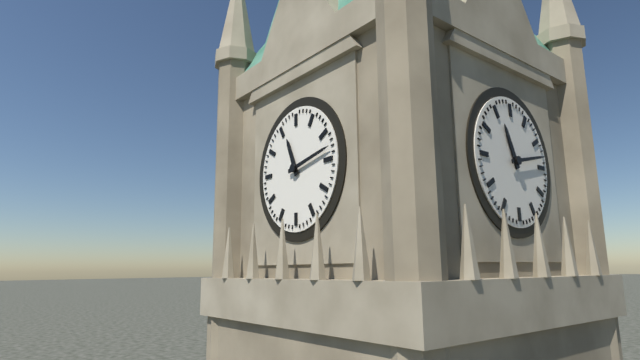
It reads 11h13
